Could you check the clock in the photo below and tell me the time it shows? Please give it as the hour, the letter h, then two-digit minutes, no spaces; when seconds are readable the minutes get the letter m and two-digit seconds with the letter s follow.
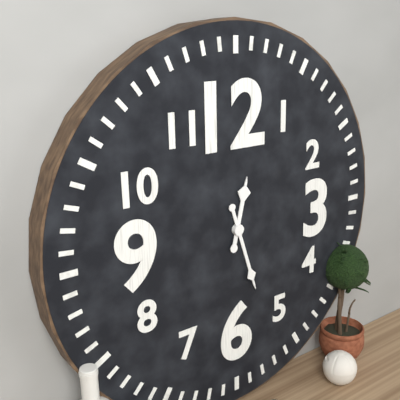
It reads 12h27
